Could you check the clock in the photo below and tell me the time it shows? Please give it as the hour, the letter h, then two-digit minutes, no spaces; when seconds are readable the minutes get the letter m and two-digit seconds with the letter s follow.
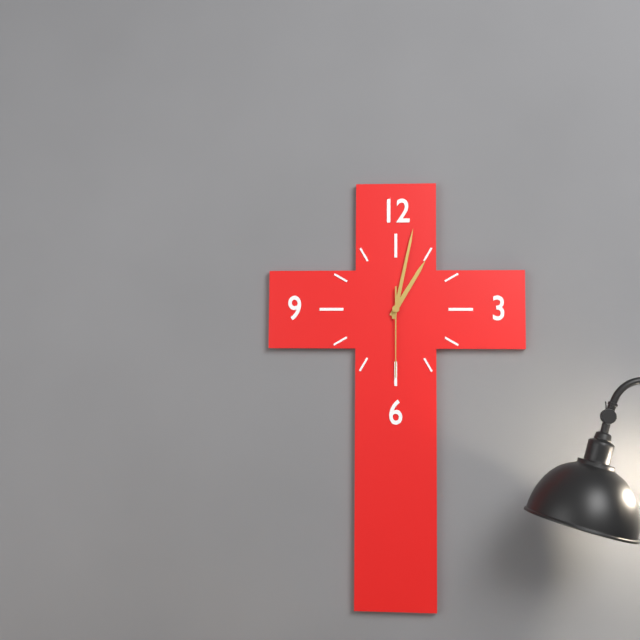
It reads 1h02m30s
